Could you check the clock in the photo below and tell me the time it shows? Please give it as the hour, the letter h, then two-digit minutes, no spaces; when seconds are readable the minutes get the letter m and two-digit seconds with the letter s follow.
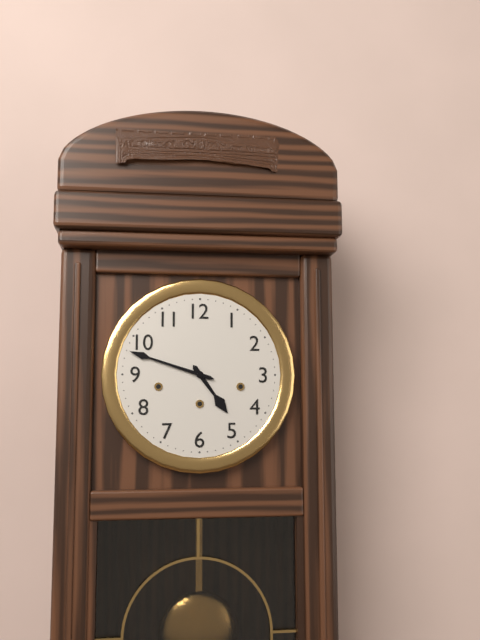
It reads 4h48
